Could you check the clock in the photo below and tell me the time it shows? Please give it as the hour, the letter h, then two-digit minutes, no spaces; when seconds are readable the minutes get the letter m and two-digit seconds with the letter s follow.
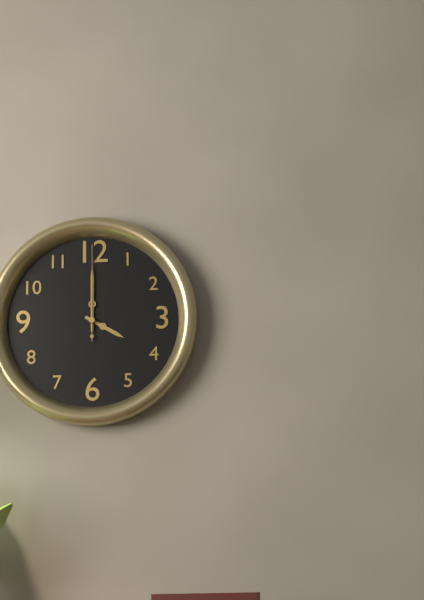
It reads 4h00m00s
